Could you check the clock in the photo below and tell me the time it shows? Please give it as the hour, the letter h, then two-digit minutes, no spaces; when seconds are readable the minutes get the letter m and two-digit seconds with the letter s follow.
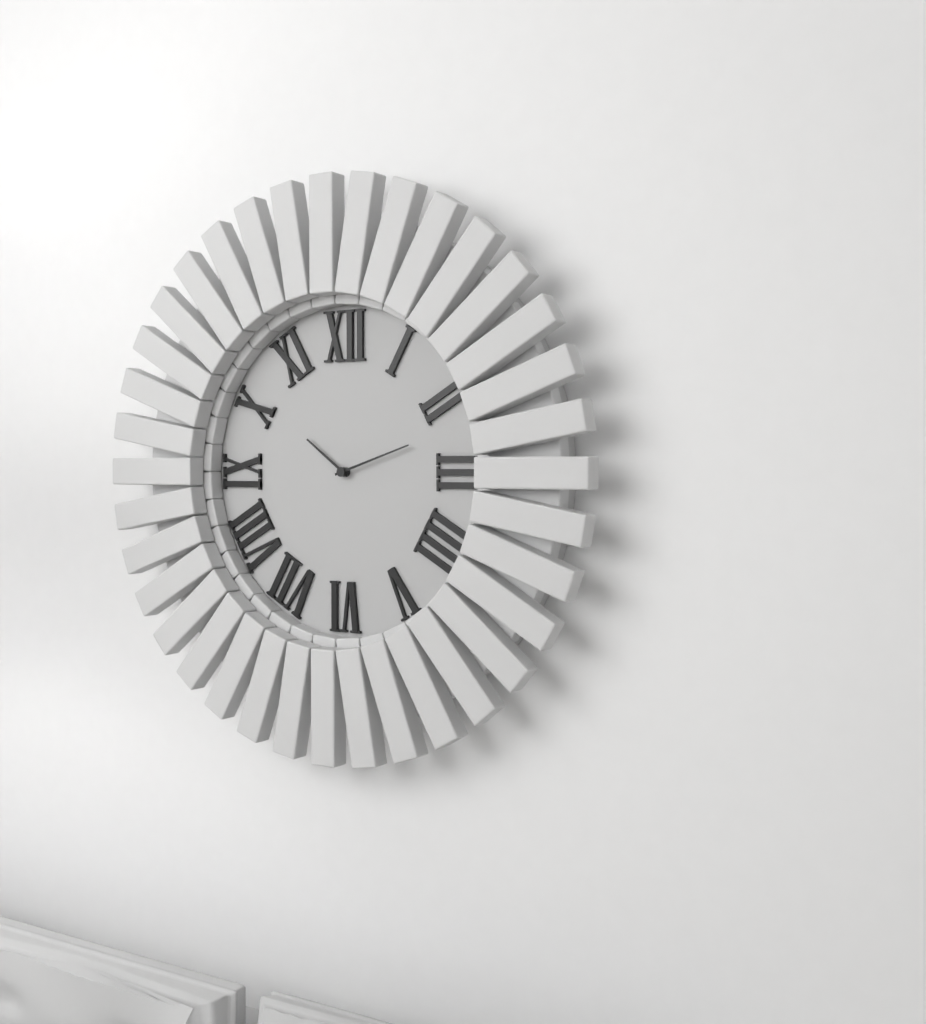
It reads 10h12
